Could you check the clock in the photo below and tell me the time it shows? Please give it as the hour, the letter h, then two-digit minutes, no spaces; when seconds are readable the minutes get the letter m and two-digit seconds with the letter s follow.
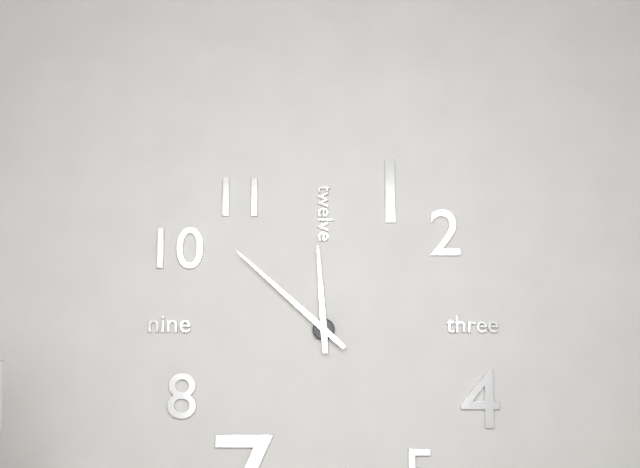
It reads 11h52
